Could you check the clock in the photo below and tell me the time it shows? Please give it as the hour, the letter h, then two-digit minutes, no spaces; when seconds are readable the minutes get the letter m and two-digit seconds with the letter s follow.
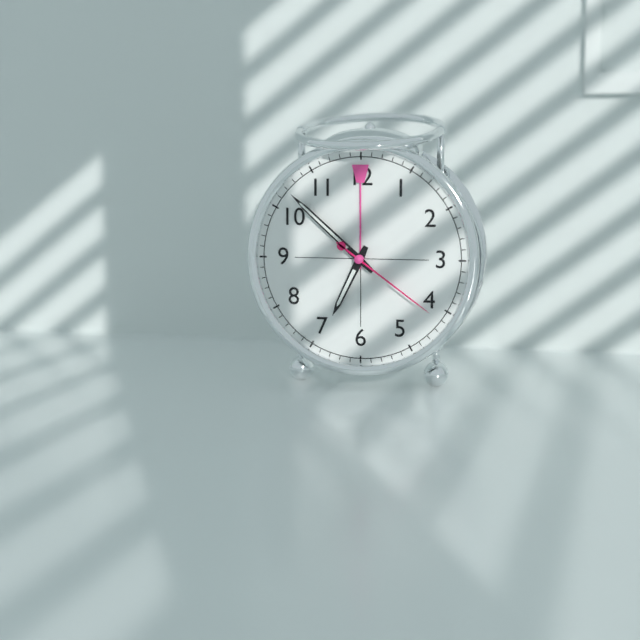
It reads 6h52m21s
